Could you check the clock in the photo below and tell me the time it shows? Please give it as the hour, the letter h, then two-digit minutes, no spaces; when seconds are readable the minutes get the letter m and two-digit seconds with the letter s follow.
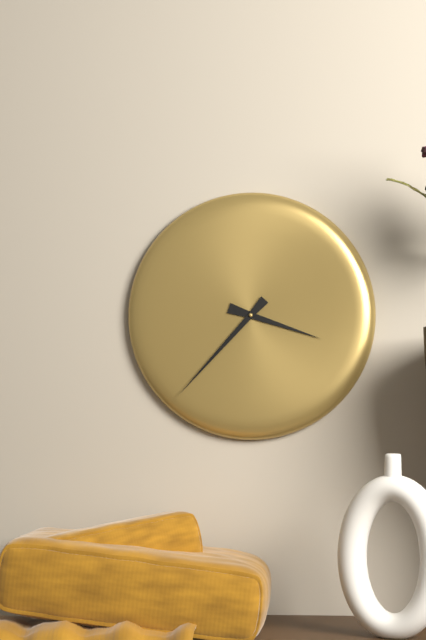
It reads 3h37
